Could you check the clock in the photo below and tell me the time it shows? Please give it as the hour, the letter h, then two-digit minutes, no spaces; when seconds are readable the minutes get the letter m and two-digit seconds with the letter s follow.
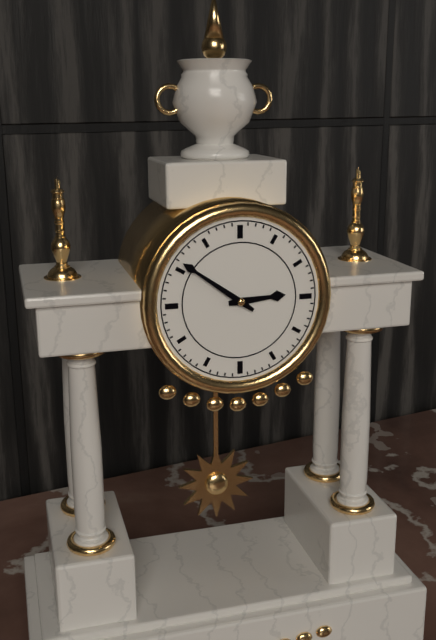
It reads 2h51
